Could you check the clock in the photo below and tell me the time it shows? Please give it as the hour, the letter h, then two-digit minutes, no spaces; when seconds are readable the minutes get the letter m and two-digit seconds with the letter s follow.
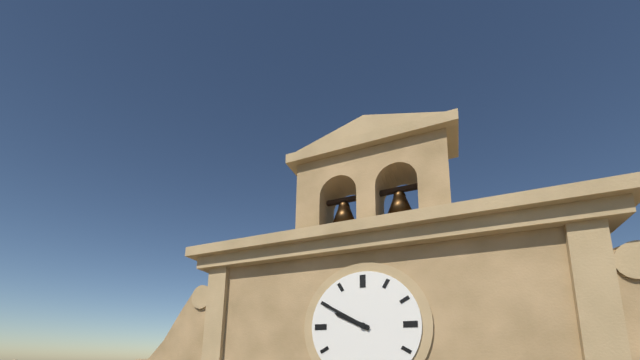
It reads 9h50
